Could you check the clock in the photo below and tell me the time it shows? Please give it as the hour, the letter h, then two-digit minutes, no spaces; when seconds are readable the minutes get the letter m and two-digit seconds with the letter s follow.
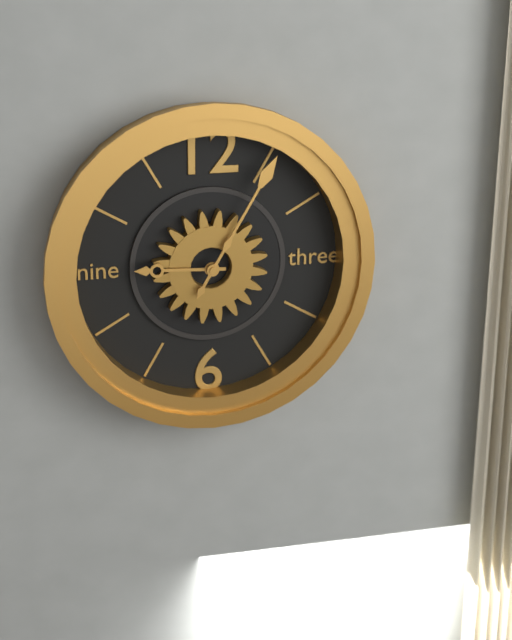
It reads 9h05
